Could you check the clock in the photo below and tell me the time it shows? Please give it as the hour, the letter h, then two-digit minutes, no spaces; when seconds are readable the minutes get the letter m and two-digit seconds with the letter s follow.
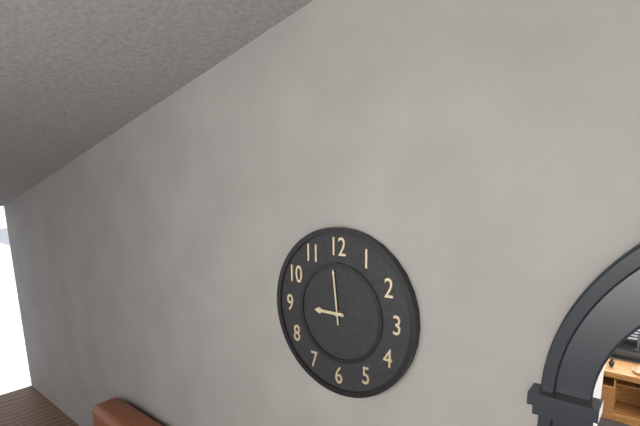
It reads 8h59
